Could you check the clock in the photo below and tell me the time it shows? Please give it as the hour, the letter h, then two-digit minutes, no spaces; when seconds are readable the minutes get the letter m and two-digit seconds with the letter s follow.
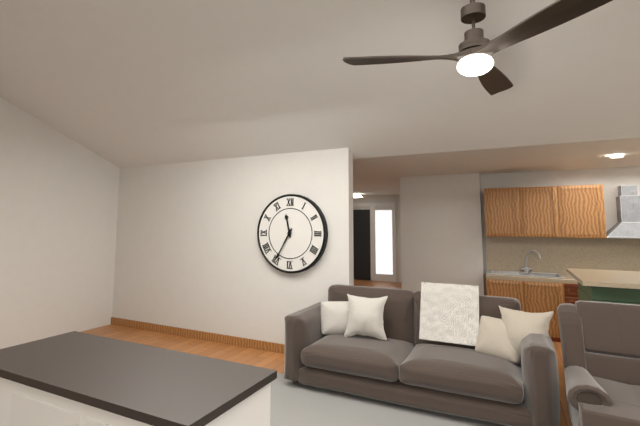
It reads 11h35
